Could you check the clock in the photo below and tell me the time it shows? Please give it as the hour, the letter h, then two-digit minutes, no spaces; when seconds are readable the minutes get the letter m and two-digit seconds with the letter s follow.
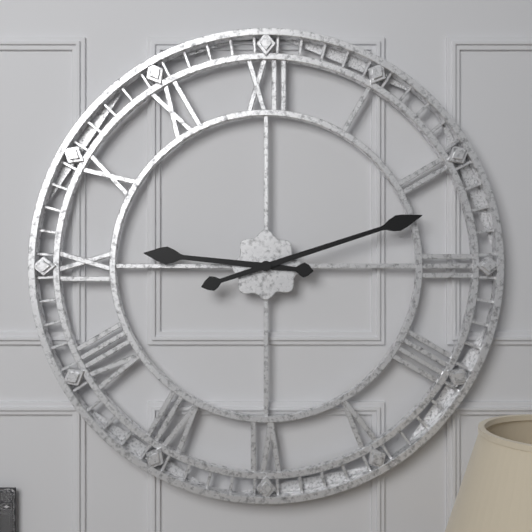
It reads 9h12
